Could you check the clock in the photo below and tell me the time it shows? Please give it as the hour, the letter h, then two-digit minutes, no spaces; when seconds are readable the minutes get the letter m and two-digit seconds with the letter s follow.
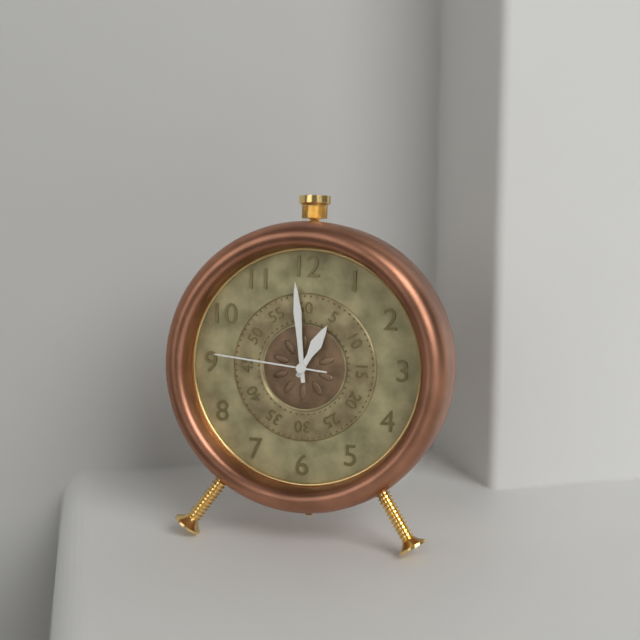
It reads 12h59m46s
